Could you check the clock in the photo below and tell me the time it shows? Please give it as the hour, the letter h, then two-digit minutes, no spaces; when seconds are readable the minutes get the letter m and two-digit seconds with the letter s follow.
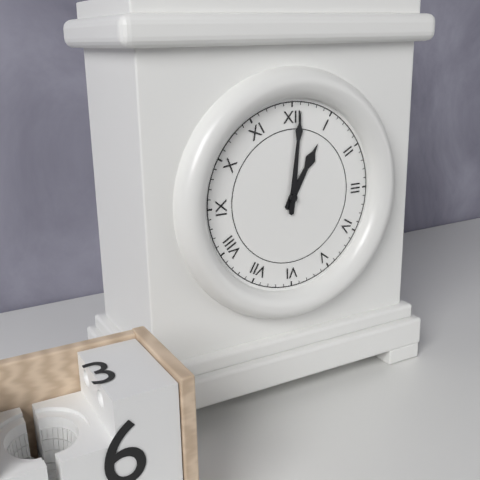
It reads 1h01
